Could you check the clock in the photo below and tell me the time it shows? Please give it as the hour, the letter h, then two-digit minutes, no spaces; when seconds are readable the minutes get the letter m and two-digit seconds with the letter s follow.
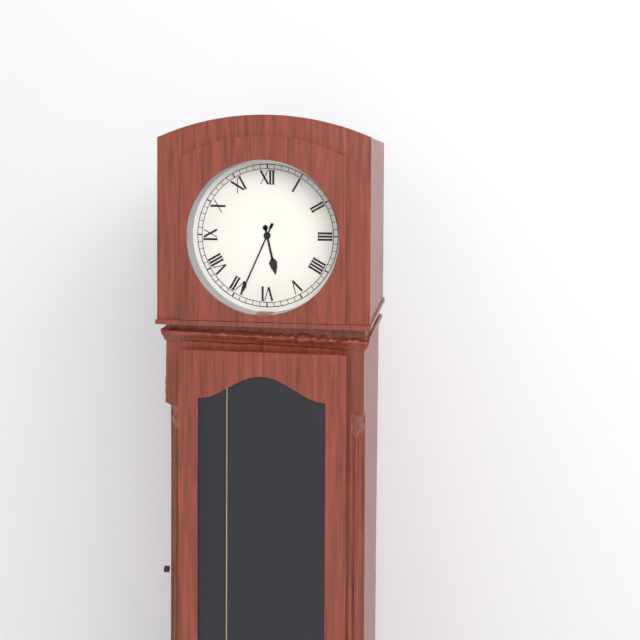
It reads 5h34
